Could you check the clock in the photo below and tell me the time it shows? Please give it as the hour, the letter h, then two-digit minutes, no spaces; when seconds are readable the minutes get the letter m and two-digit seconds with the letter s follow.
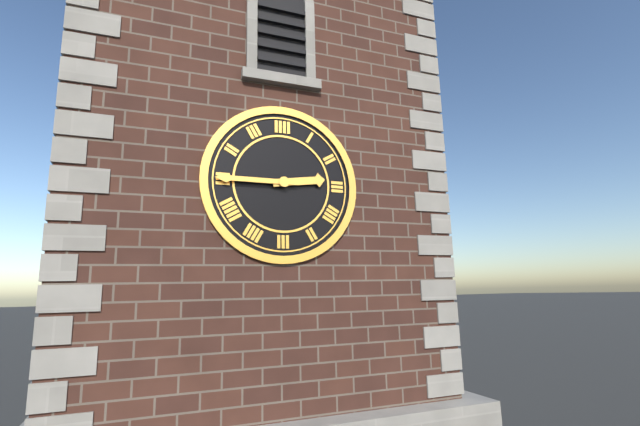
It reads 2h45
